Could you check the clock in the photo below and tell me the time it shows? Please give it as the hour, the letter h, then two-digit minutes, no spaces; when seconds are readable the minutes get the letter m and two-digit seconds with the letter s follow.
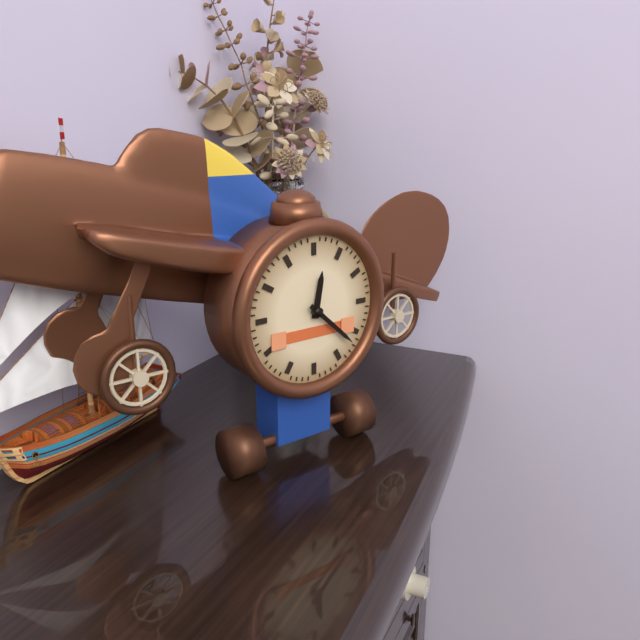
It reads 12h22
